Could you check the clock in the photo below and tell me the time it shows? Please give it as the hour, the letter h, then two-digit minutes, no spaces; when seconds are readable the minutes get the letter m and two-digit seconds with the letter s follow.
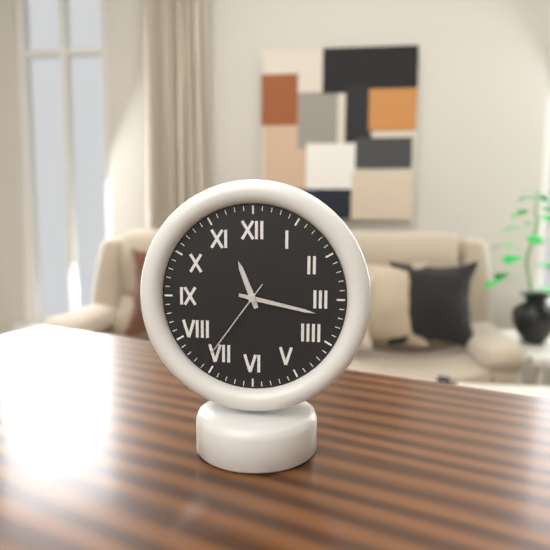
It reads 11h17m36s
